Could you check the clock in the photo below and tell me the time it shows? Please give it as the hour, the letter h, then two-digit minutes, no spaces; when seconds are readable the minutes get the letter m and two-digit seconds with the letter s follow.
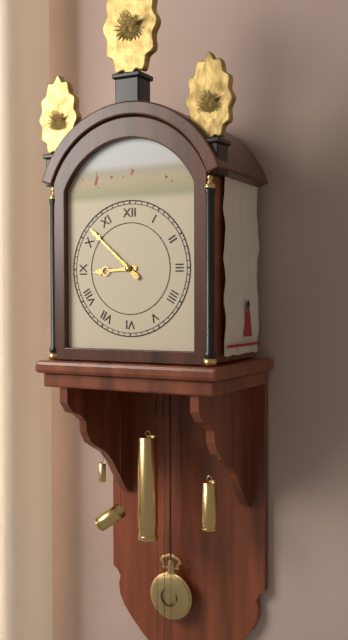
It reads 8h52
